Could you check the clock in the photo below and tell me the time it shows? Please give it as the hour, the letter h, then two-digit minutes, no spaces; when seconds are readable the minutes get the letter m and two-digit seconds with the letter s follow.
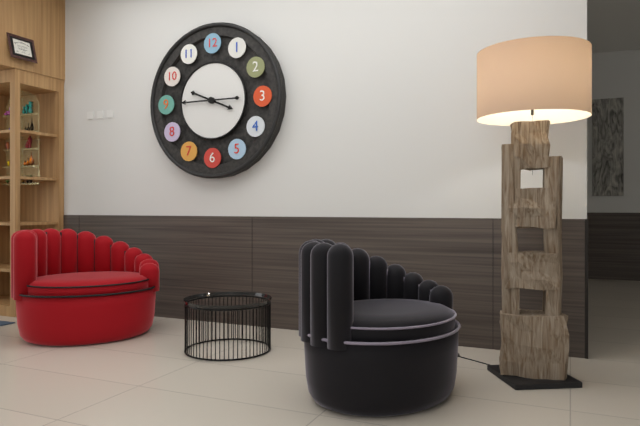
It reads 3h45
